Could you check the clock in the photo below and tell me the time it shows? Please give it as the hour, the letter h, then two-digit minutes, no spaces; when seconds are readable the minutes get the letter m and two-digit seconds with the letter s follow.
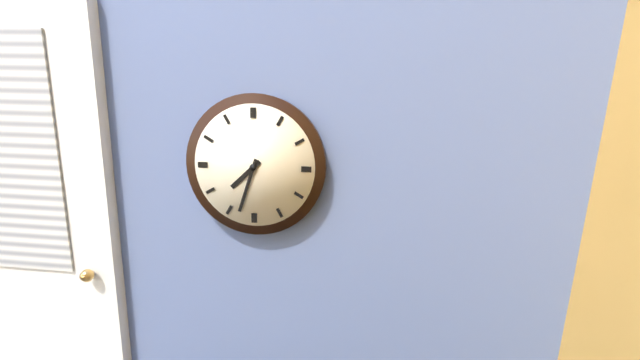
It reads 7h33
